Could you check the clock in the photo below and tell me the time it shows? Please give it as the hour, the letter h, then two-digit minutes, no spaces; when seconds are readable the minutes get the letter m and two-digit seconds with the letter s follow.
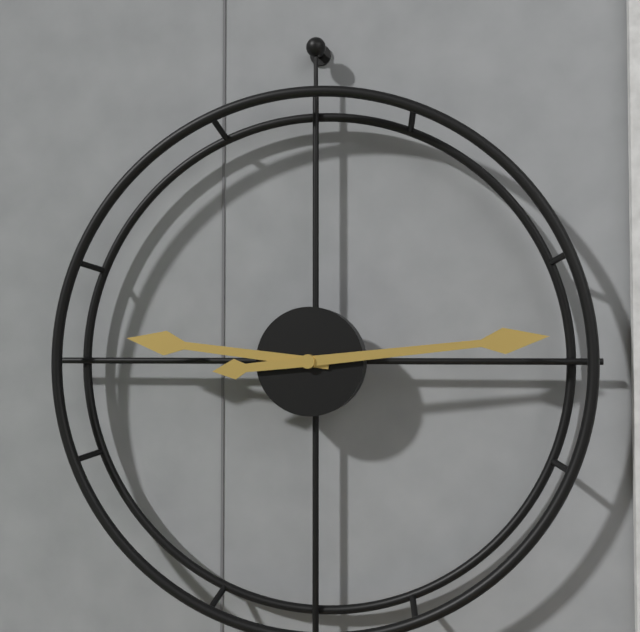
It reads 9h14
